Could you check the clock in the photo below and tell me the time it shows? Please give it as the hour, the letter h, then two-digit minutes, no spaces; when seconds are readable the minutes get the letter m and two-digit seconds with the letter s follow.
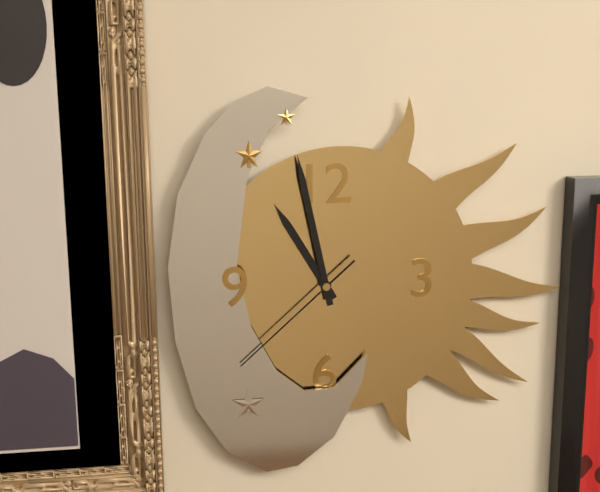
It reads 10h58m38s
